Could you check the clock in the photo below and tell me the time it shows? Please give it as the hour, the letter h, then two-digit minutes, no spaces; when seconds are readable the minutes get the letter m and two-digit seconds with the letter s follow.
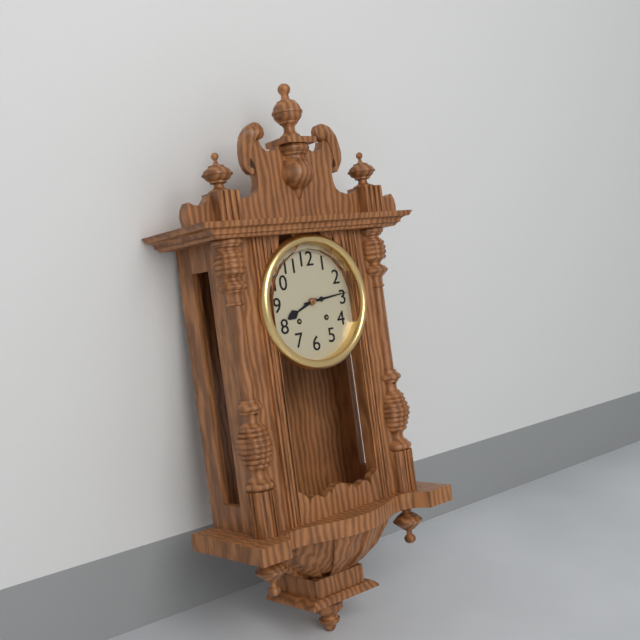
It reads 8h14
